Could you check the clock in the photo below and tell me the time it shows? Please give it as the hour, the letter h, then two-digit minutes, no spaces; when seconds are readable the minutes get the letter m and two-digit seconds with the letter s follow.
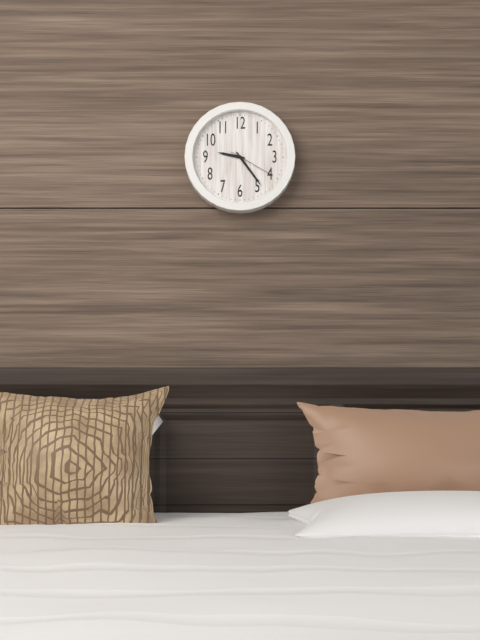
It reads 9h24
